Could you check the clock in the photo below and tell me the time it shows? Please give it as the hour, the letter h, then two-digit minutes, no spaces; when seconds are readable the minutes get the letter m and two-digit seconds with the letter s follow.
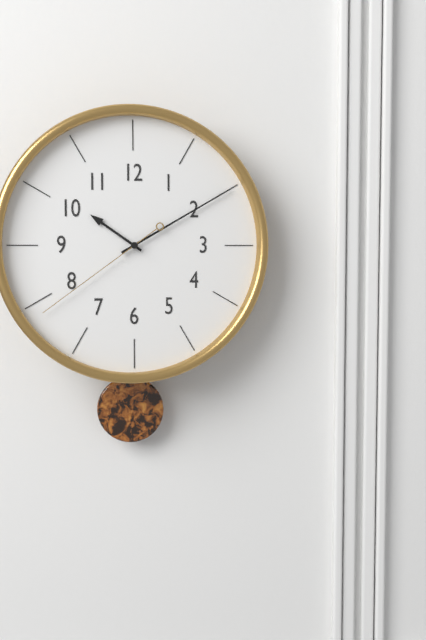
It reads 10h10m39s
